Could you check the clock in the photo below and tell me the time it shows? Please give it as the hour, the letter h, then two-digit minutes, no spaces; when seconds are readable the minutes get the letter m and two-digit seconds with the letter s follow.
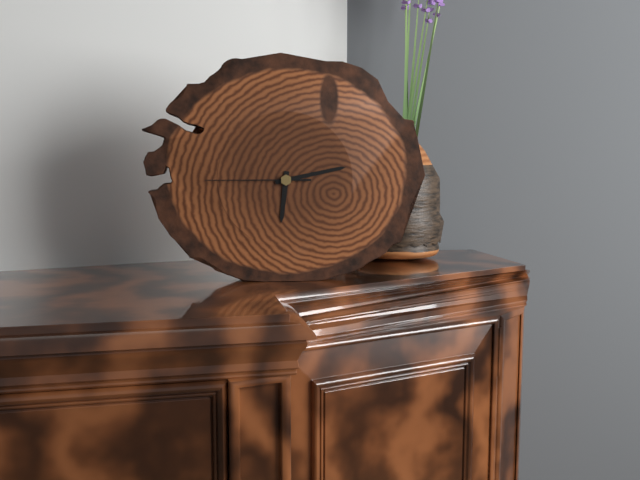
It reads 6h13m45s
